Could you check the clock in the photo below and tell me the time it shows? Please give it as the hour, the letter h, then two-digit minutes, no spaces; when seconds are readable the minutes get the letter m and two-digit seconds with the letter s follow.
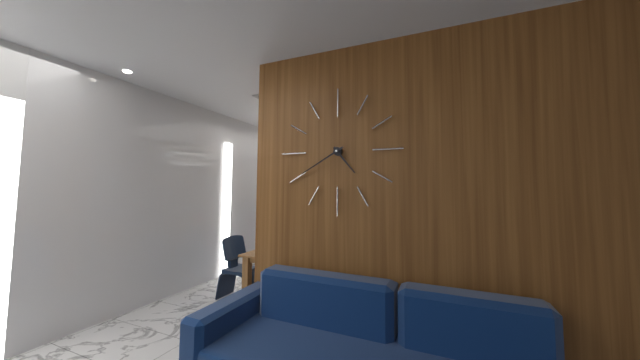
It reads 4h40
